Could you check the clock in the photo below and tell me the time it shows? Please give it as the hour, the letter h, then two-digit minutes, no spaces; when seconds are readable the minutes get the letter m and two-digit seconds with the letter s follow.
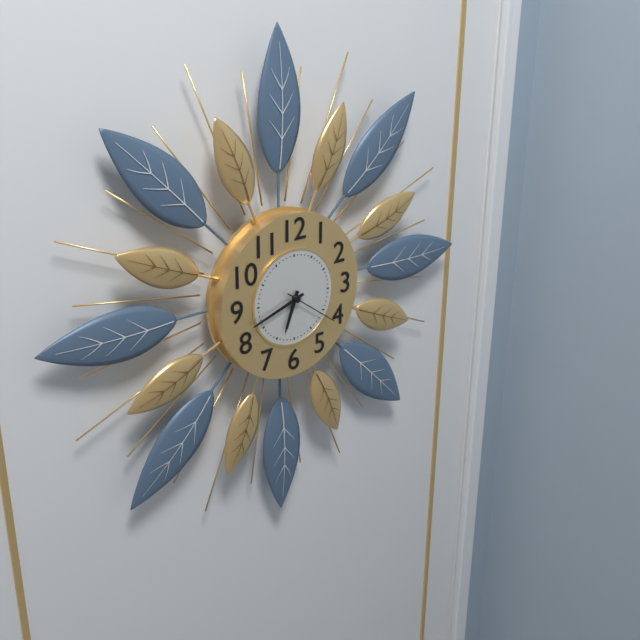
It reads 6h42m21s
